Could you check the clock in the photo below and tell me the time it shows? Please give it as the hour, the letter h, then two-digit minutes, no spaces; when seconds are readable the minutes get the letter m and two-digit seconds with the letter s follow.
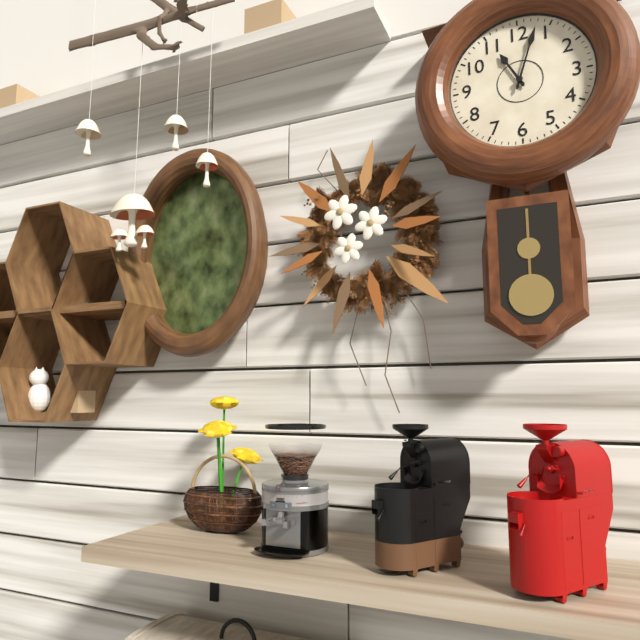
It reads 11h03
